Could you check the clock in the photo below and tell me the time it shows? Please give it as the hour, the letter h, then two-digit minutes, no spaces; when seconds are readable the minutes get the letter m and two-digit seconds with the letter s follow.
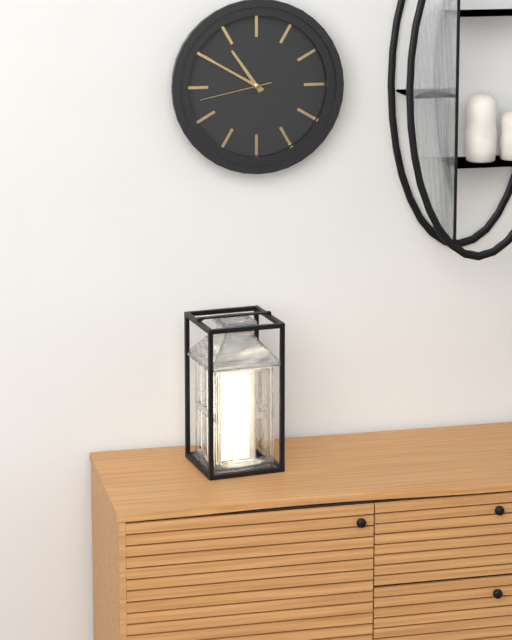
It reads 10h50m43s
